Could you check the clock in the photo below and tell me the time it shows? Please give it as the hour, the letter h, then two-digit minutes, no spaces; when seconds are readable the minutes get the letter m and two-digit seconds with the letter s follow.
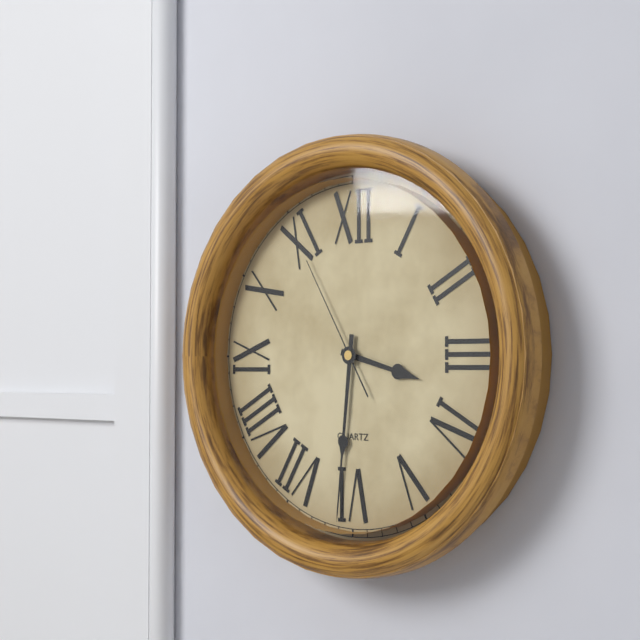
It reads 3h31m55s
